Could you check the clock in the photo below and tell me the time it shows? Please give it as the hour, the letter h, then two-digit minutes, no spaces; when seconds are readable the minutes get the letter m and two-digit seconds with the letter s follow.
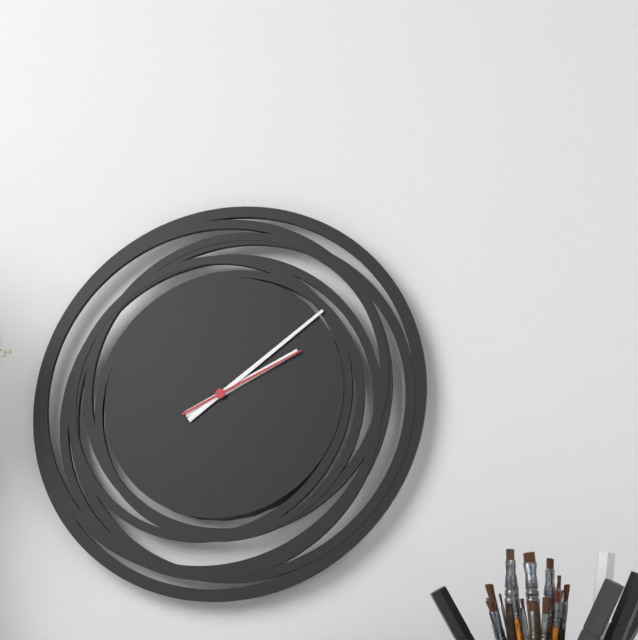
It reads 2h09m11s
